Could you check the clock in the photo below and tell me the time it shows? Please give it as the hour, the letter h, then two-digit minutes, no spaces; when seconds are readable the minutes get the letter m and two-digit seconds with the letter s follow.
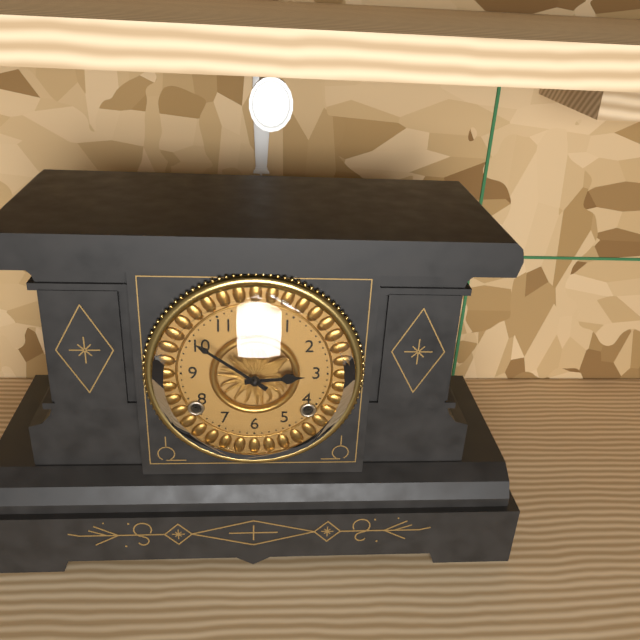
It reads 2h51
